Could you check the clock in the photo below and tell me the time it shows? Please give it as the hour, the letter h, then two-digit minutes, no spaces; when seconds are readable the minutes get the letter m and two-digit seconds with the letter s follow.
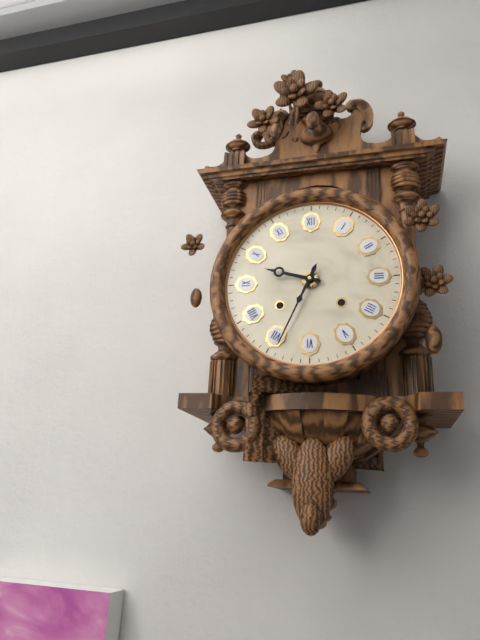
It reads 9h34
